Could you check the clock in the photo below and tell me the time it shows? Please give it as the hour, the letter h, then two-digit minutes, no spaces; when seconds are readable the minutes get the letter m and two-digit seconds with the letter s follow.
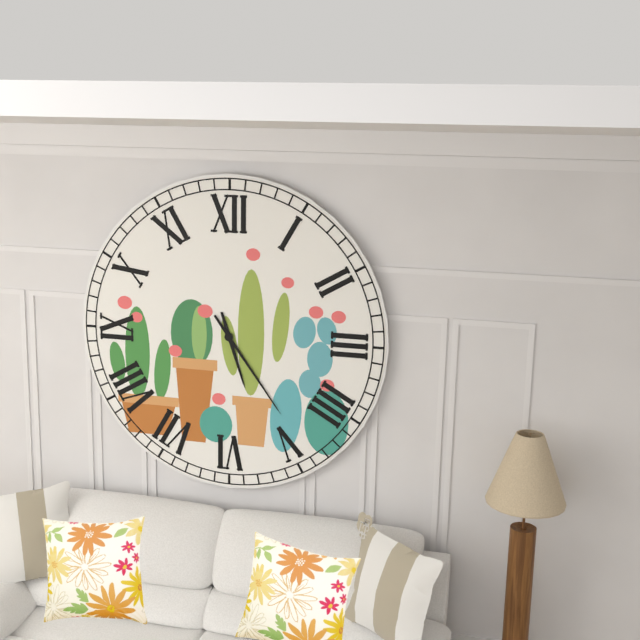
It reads 5h24
